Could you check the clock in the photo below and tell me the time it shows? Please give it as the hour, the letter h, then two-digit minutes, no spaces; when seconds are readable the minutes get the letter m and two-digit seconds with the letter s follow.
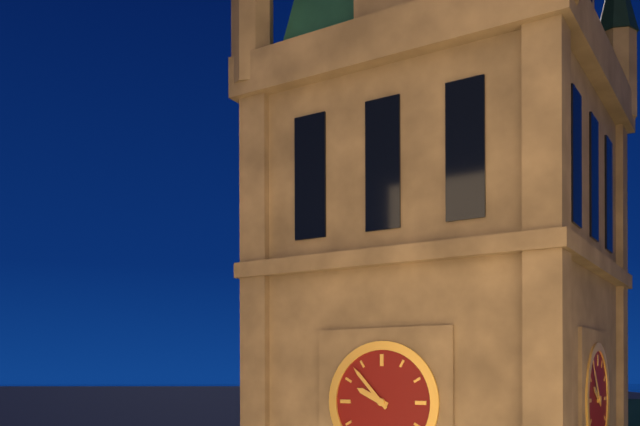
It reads 9h53
